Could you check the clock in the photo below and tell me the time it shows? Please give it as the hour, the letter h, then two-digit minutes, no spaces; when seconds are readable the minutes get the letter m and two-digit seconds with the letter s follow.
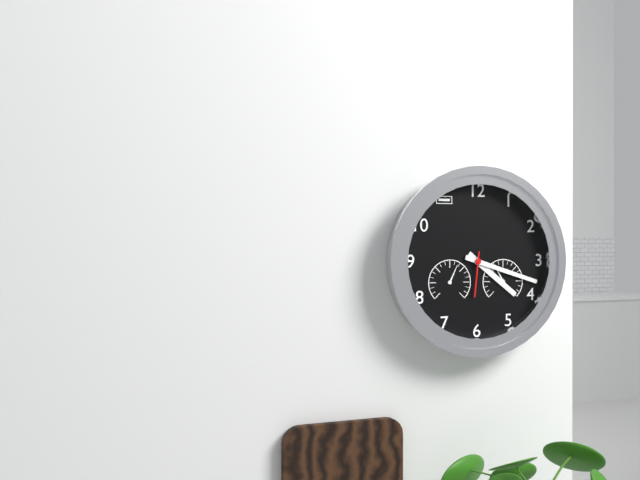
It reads 4h18
